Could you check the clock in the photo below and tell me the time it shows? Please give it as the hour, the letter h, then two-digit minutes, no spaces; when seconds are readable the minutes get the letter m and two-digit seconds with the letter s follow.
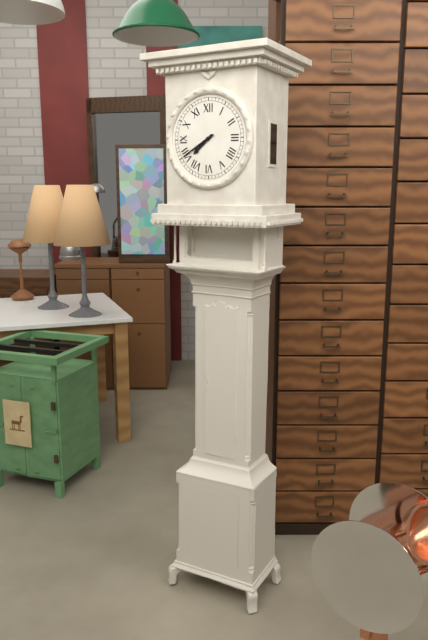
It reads 7h40
